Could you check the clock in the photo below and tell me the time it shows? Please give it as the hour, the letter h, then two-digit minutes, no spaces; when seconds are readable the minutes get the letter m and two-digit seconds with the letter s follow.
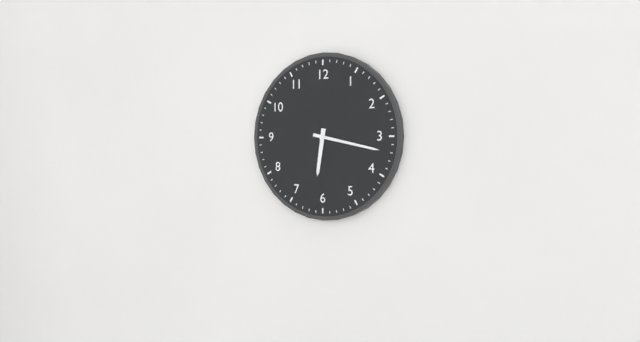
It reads 6h17
